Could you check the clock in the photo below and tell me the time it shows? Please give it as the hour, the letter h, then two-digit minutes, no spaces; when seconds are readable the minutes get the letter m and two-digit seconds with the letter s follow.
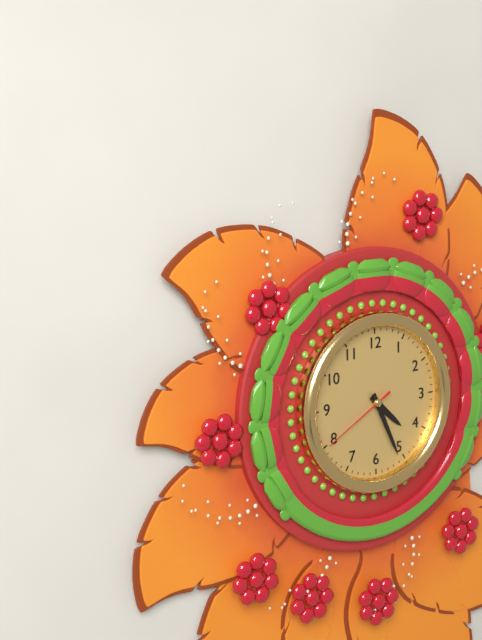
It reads 4h26m40s
